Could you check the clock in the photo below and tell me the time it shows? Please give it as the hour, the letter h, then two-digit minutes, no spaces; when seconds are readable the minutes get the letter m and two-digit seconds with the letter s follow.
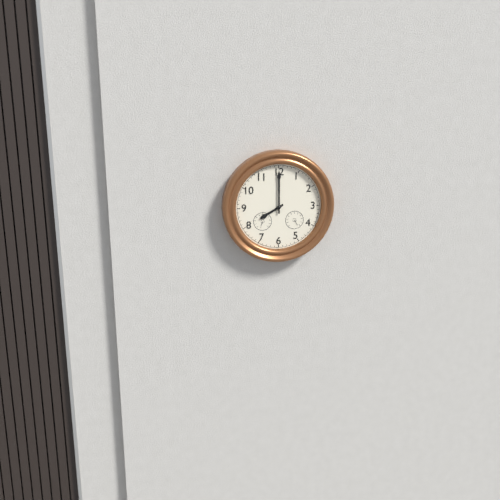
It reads 8h00
